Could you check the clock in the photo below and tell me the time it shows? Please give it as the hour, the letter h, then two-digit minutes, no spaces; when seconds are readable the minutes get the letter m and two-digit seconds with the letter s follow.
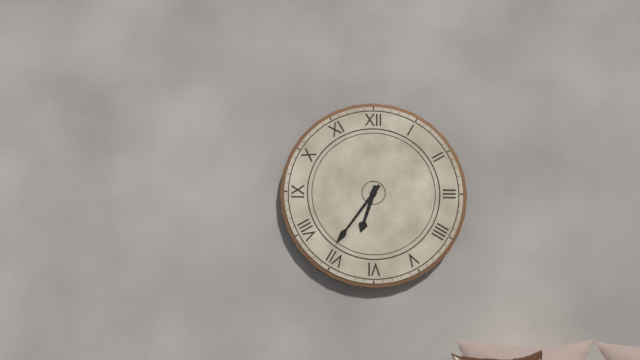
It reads 6h36
